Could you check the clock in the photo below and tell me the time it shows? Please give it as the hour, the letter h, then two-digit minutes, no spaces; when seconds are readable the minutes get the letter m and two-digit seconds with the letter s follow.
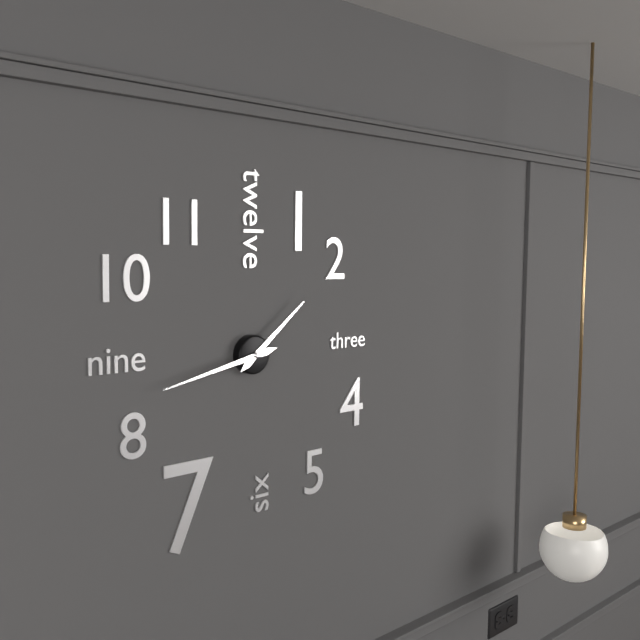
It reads 1h43
